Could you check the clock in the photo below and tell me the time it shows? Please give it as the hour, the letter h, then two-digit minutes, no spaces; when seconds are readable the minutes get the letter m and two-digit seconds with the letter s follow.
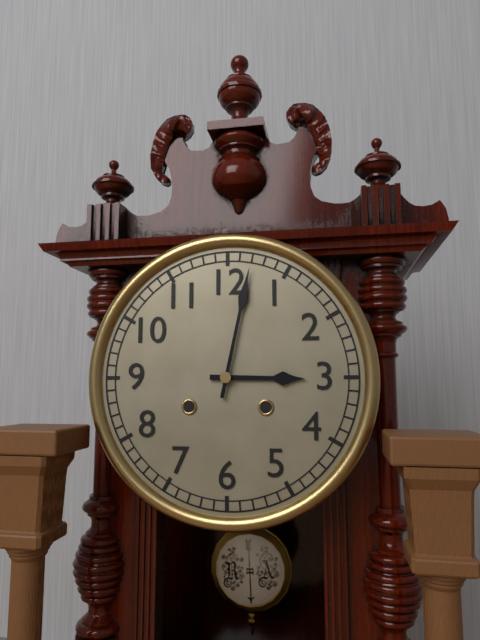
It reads 3h02
